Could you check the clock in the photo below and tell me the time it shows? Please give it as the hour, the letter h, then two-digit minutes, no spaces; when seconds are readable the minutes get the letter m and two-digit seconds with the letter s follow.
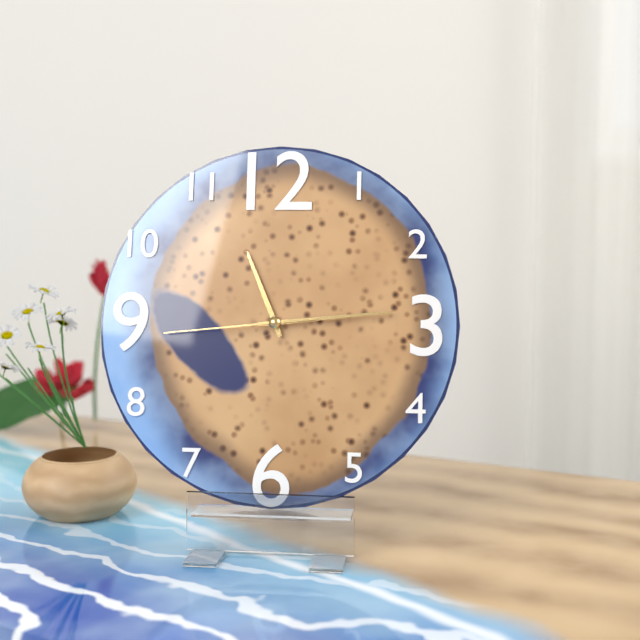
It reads 11h14m44s
